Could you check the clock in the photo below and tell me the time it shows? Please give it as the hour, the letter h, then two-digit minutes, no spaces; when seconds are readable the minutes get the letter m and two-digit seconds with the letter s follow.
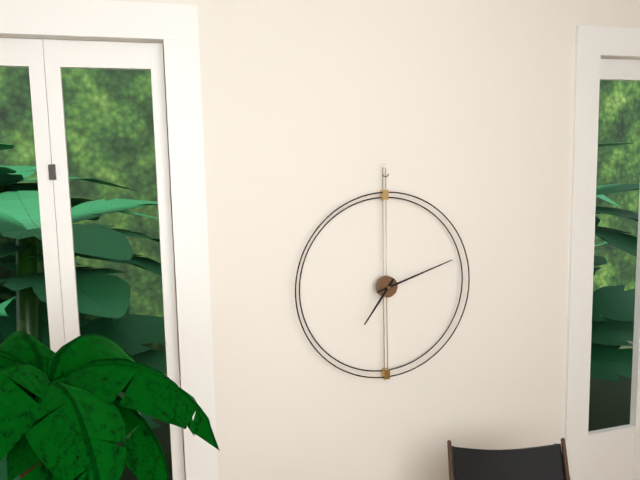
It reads 7h12
